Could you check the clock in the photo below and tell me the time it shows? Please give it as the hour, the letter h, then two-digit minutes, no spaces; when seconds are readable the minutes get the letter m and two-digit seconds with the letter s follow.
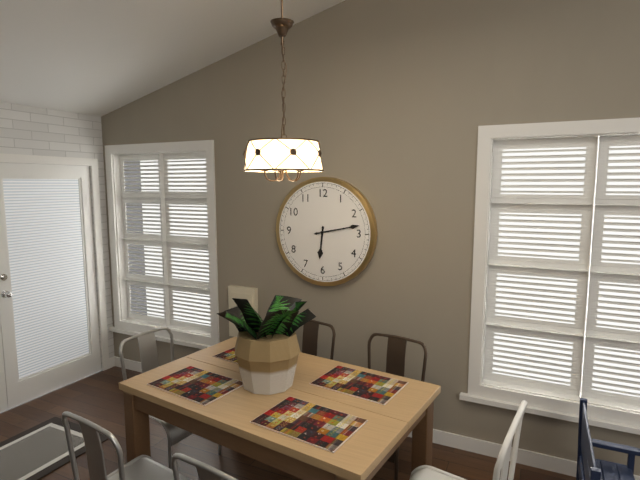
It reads 6h13
